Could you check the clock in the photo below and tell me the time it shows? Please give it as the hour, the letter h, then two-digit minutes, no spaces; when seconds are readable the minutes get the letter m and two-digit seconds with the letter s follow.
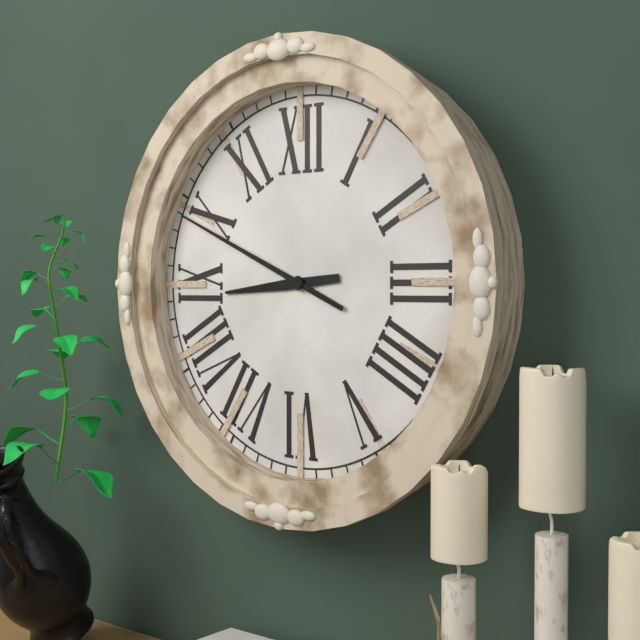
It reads 8h49
